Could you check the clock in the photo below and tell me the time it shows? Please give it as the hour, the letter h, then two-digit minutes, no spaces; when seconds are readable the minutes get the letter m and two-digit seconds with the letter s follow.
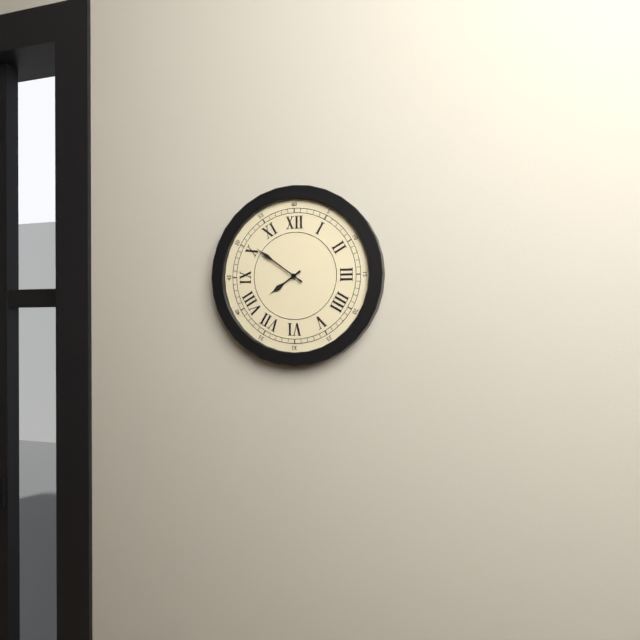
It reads 7h51
